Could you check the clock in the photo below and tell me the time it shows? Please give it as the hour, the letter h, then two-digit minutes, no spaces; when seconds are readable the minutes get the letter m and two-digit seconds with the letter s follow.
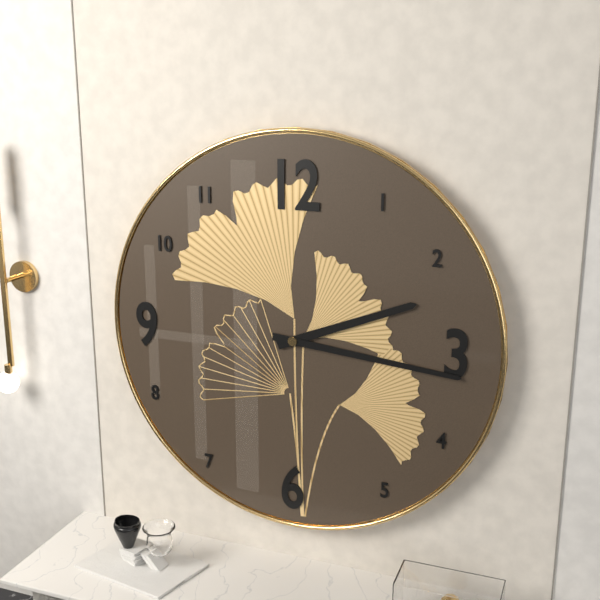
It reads 2h16
